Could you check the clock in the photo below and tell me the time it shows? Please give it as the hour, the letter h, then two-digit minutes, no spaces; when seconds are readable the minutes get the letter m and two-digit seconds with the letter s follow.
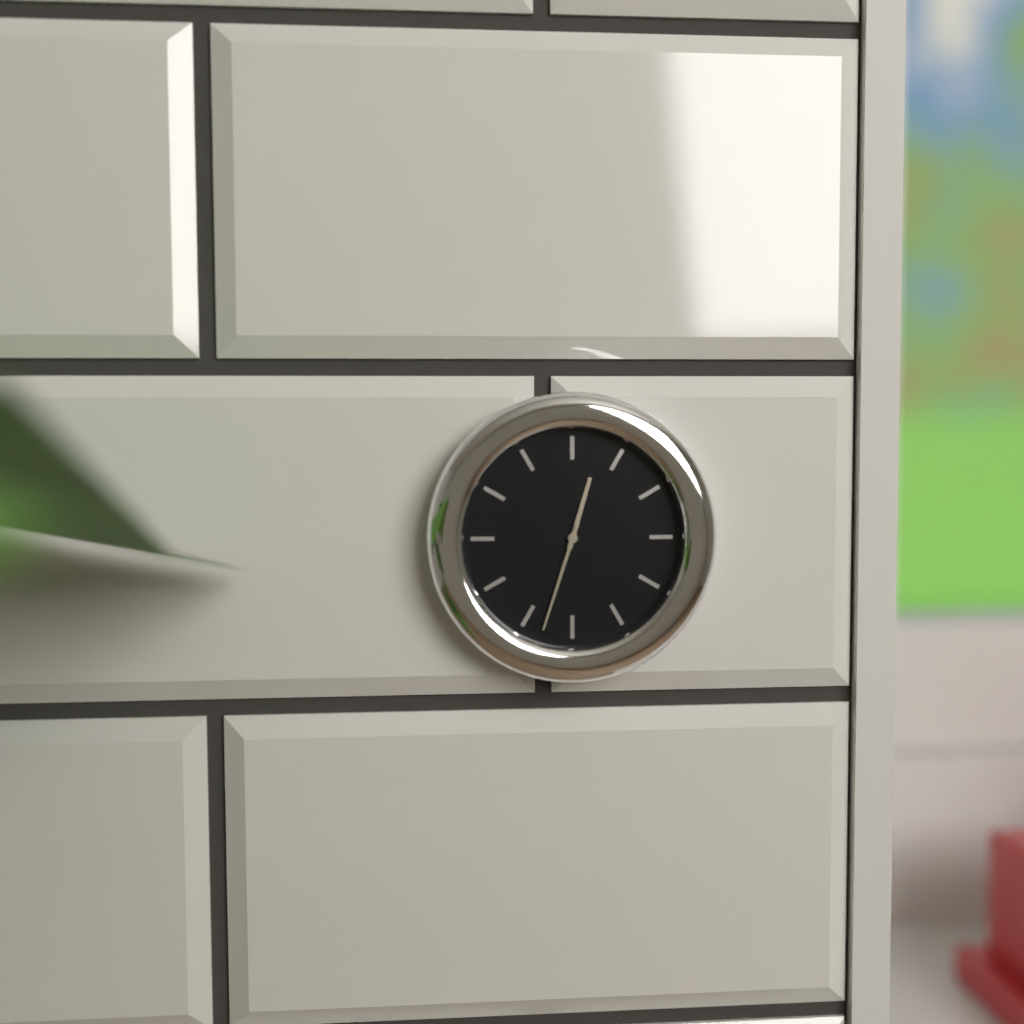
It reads 12h33
